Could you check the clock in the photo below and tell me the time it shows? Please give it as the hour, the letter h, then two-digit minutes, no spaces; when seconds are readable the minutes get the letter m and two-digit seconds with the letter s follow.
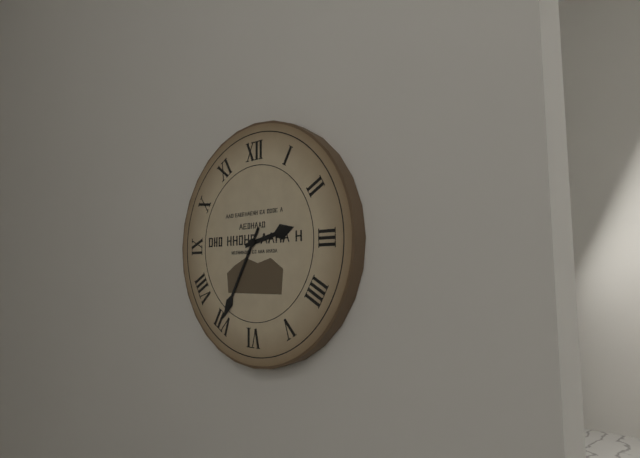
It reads 2h35
